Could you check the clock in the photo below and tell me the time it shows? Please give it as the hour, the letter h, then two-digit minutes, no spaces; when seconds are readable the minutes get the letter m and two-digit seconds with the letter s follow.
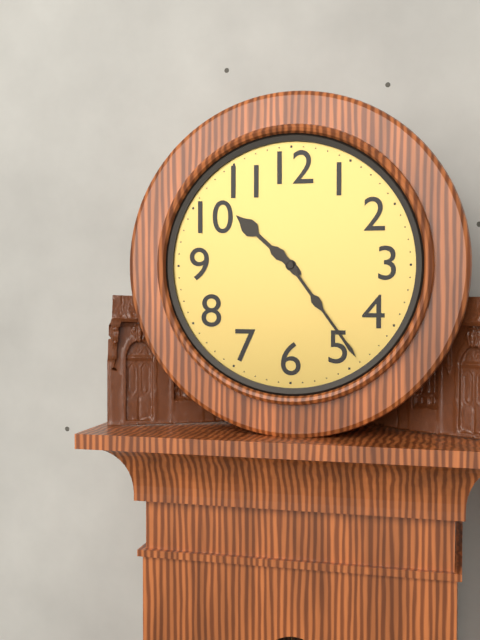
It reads 10h24
